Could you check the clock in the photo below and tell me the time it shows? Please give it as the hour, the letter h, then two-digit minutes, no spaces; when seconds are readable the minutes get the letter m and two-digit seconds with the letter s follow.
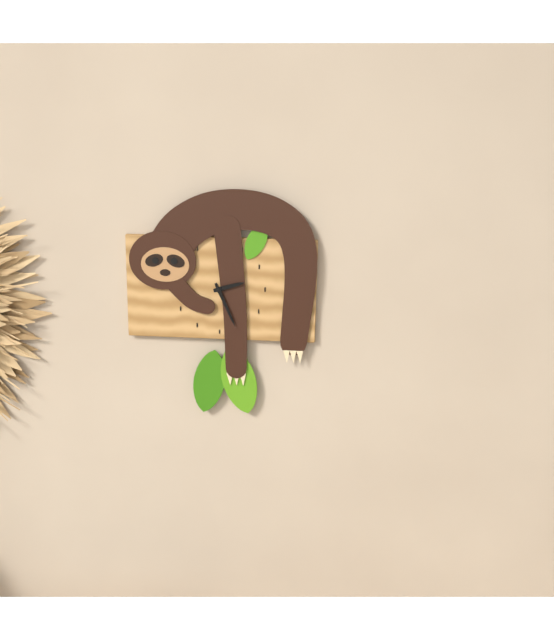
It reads 2h26
